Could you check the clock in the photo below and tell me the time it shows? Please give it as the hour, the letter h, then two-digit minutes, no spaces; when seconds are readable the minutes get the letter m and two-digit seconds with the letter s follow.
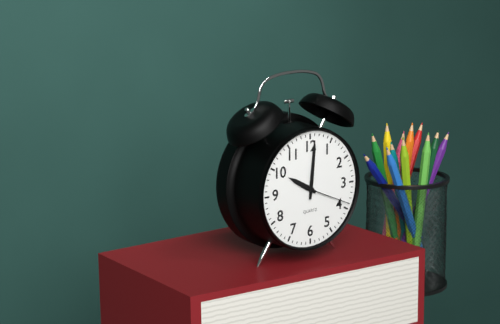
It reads 10h01m19s
